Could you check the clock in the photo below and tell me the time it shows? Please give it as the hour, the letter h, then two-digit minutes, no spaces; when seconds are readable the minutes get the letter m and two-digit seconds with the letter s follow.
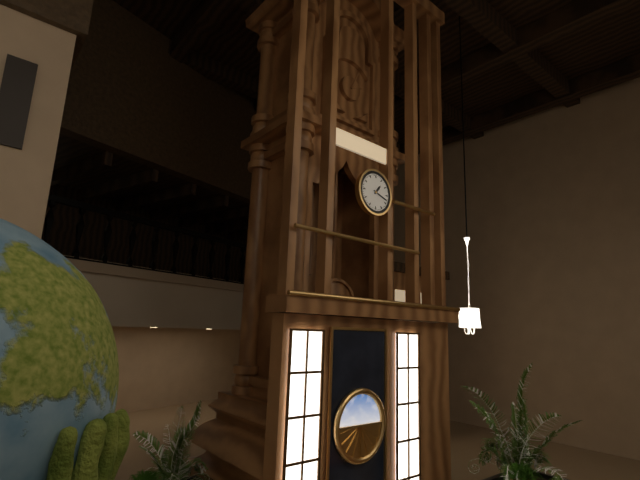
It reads 1h18
